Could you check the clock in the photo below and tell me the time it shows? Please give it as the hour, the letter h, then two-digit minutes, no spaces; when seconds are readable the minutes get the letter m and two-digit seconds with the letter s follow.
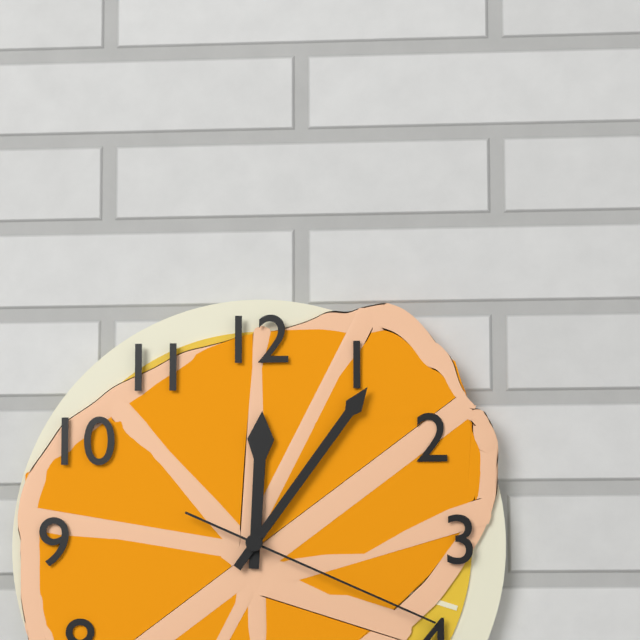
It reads 12h06m19s
